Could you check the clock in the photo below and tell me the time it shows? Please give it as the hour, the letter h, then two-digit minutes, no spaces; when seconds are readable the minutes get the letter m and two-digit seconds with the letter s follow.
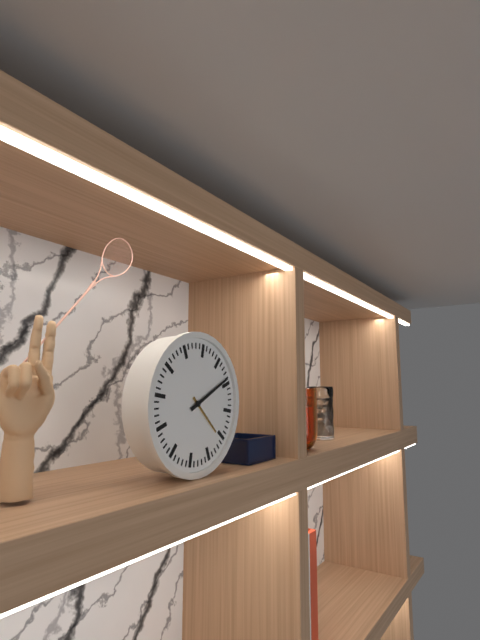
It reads 4h09
